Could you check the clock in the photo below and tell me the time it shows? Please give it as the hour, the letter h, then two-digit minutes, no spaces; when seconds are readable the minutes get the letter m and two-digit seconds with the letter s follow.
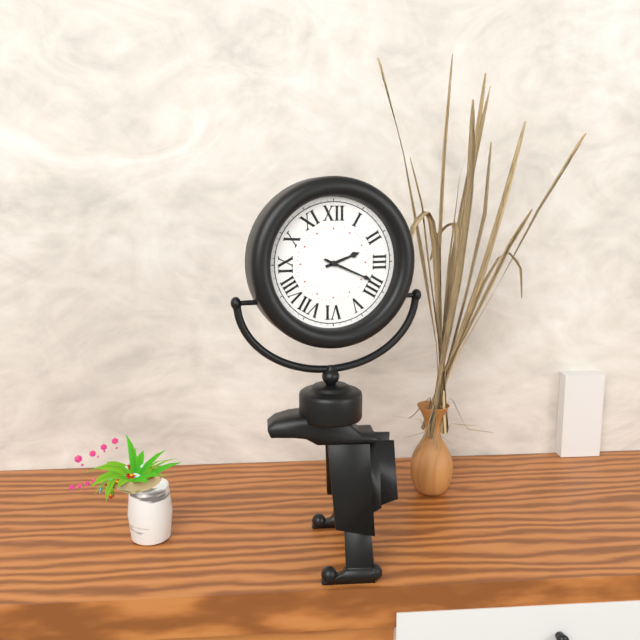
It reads 2h19
